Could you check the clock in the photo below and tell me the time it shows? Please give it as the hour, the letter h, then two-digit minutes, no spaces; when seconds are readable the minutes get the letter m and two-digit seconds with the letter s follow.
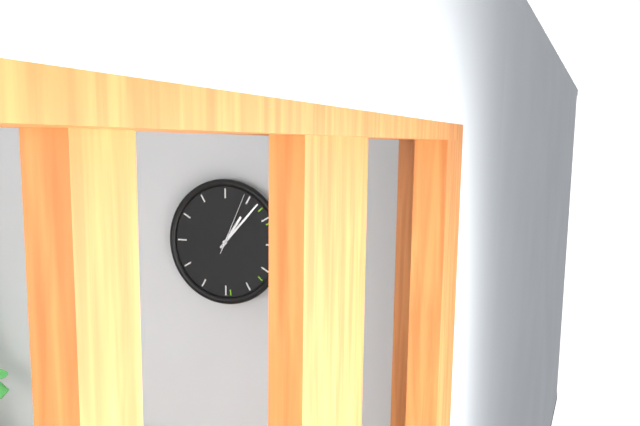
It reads 1h07m04s
